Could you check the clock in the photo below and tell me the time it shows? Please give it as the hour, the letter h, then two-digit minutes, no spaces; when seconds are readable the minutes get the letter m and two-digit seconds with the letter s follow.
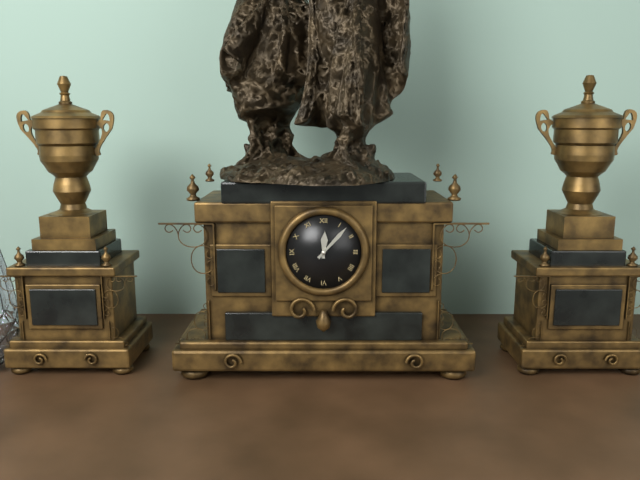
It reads 12h07
